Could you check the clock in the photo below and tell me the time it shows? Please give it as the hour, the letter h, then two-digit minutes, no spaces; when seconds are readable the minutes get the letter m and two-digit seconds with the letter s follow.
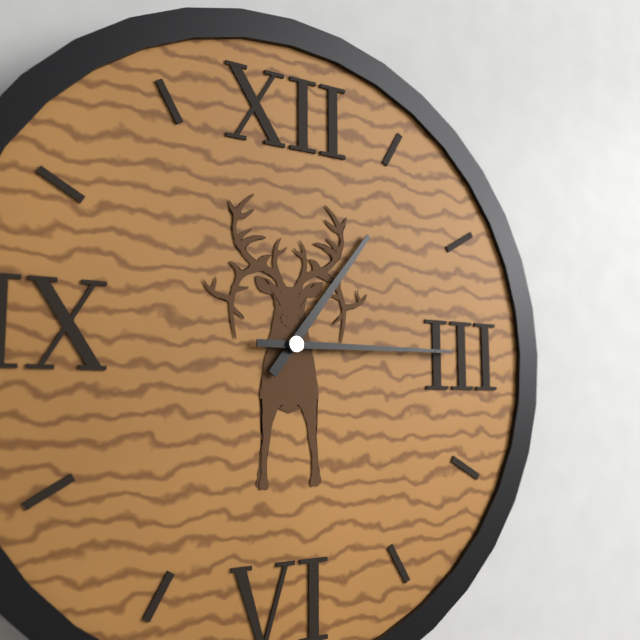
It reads 1h15
